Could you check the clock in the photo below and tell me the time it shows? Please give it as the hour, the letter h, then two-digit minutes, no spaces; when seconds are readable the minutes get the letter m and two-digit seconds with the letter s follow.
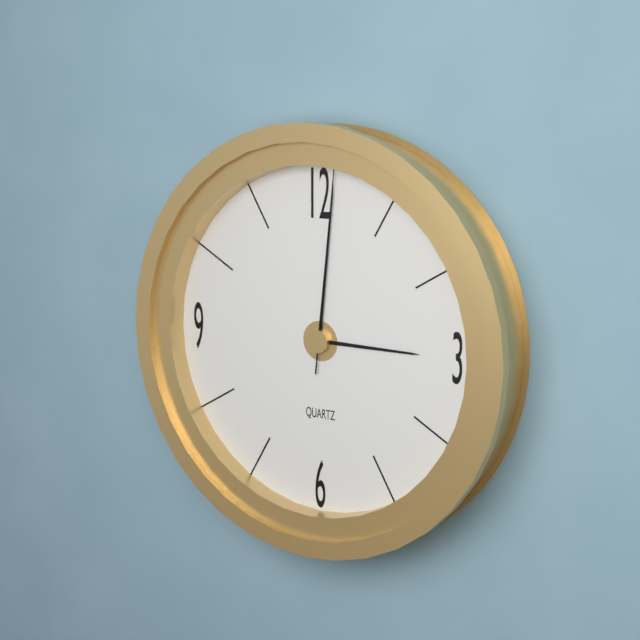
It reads 3h01m01s
